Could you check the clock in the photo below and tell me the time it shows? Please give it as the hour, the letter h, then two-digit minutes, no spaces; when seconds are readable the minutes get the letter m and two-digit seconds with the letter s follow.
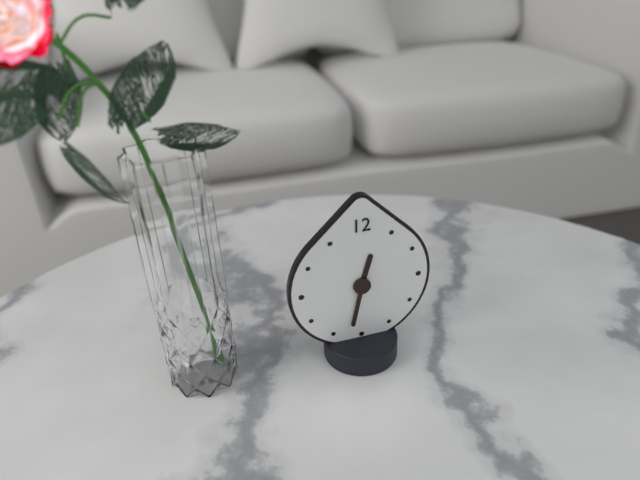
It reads 12h32
